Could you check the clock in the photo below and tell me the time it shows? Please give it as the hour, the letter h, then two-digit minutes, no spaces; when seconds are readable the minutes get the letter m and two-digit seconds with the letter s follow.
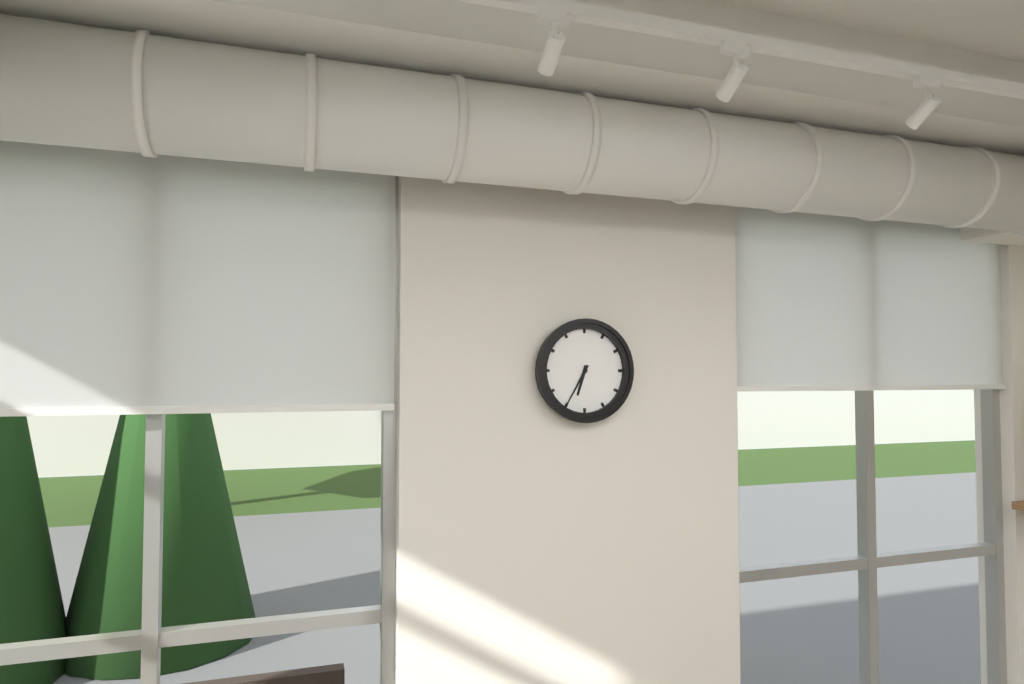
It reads 6h35
